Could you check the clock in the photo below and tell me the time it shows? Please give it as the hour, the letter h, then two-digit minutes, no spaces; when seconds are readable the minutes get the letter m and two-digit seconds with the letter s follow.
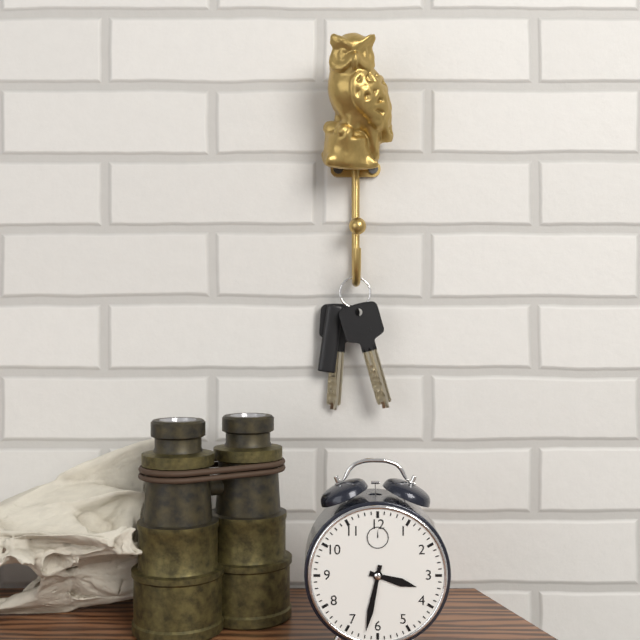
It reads 3h32
